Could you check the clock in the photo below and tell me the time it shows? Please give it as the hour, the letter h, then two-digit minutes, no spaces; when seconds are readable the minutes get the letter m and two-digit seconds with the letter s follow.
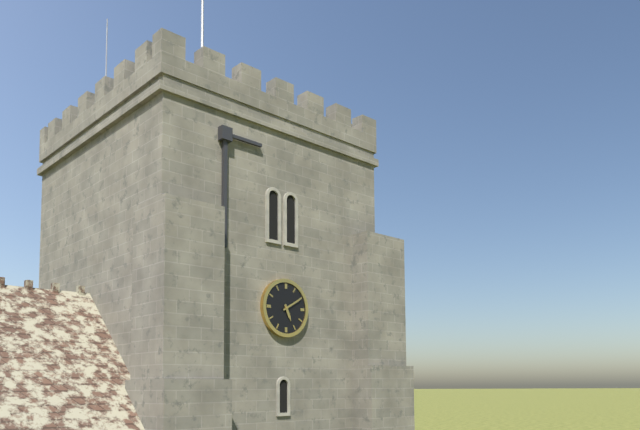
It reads 5h10
